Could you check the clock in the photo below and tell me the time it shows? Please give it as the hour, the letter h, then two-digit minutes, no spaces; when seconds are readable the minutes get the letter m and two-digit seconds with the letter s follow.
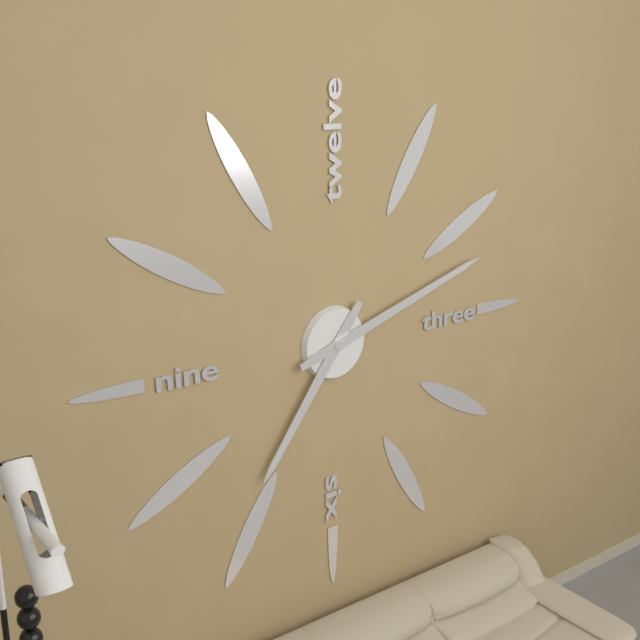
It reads 7h12
